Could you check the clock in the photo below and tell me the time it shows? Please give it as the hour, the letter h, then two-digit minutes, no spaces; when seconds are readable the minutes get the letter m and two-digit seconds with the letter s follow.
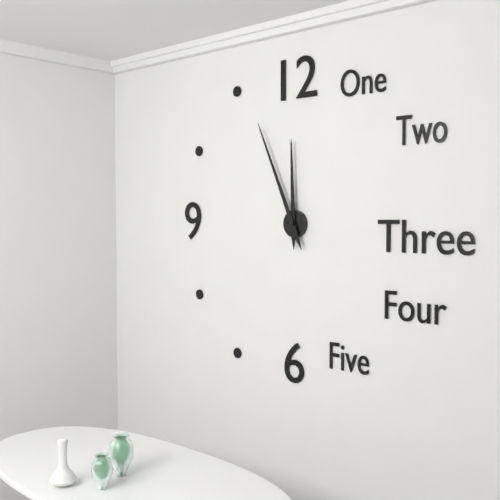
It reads 11h56
